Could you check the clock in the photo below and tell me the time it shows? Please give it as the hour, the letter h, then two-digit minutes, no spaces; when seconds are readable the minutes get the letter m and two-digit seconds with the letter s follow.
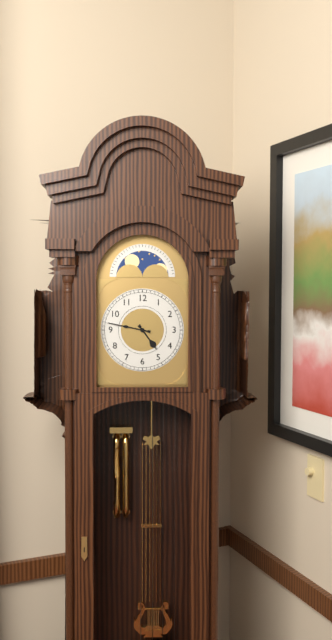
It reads 4h47
